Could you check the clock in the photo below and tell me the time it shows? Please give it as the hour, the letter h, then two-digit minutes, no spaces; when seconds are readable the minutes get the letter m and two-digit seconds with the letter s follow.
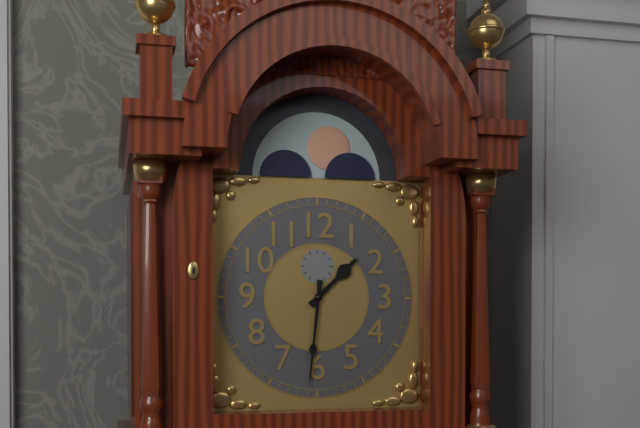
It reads 1h31
